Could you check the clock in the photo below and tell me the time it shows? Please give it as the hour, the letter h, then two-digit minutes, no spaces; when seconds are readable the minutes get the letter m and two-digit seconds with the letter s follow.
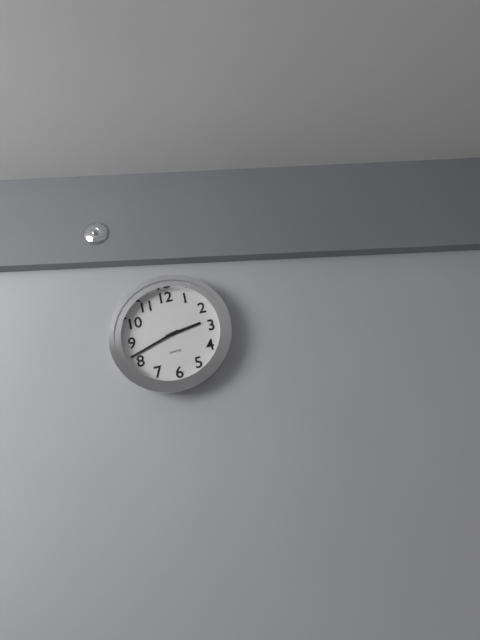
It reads 2h42
